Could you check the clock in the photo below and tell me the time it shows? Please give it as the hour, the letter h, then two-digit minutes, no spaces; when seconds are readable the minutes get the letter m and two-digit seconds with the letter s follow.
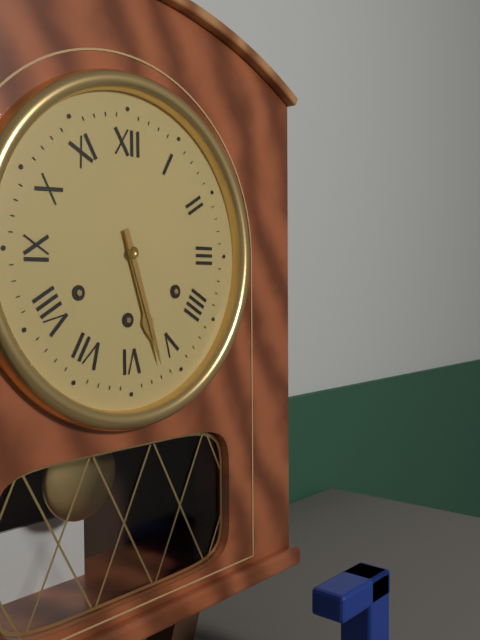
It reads 5h27
